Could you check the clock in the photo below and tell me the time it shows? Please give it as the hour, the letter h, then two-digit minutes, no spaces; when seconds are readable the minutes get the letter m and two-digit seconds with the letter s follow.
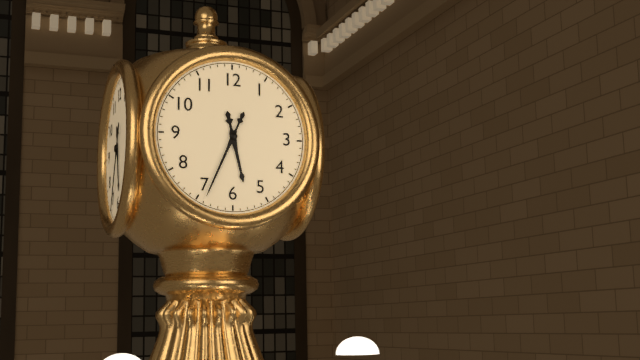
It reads 5h34
